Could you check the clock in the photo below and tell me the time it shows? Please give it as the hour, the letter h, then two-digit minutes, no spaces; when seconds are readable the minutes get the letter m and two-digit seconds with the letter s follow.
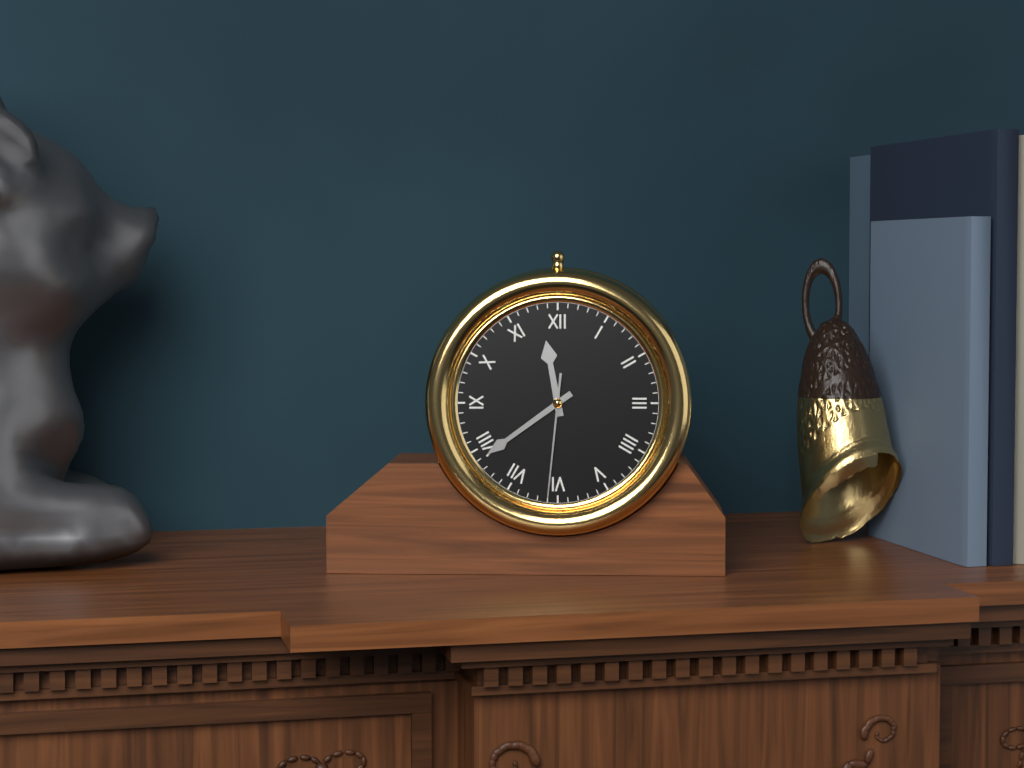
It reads 11h39m31s
